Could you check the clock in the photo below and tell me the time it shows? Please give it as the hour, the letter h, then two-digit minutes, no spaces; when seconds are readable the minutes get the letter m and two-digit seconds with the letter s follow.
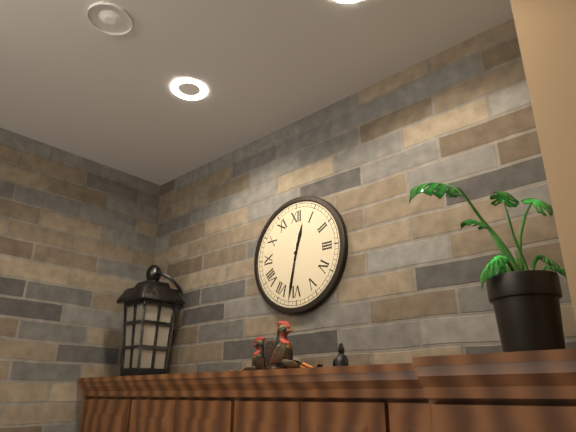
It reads 12h32
